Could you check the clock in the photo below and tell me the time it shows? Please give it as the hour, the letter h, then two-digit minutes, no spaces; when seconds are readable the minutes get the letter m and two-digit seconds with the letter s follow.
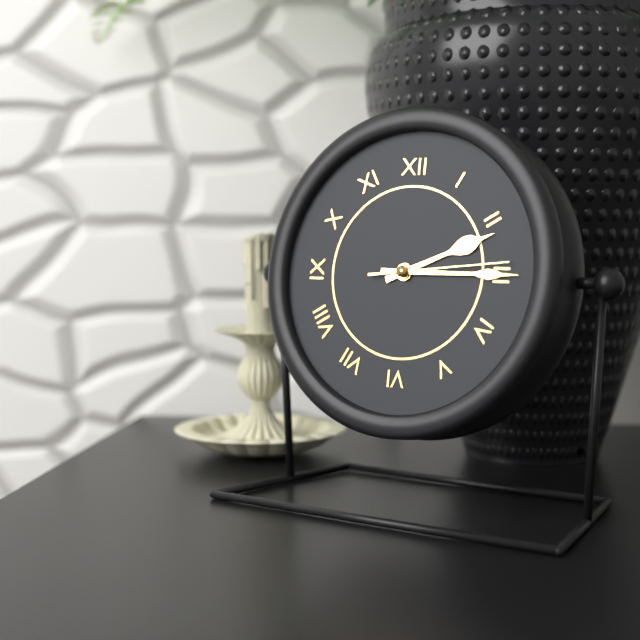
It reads 2h15m14s
